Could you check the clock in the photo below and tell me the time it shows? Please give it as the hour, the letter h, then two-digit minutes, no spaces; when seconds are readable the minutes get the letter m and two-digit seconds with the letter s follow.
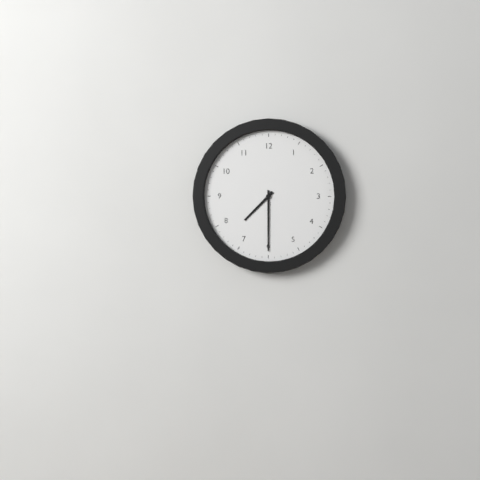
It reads 7h30
